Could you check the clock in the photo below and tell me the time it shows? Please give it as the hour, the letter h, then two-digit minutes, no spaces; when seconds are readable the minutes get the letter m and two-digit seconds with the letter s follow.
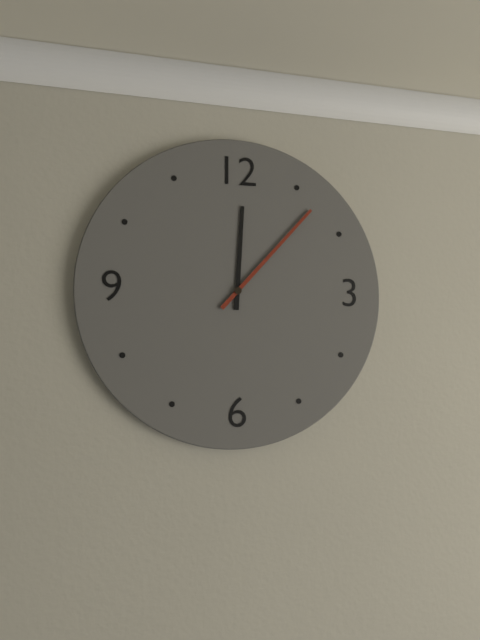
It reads 12h07
